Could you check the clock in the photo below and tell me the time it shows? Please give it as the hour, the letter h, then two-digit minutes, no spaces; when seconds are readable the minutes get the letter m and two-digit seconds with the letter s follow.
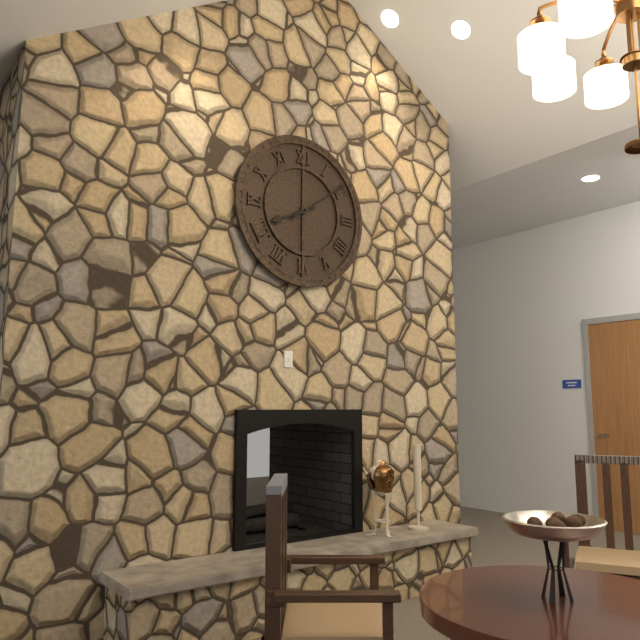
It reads 8h09
